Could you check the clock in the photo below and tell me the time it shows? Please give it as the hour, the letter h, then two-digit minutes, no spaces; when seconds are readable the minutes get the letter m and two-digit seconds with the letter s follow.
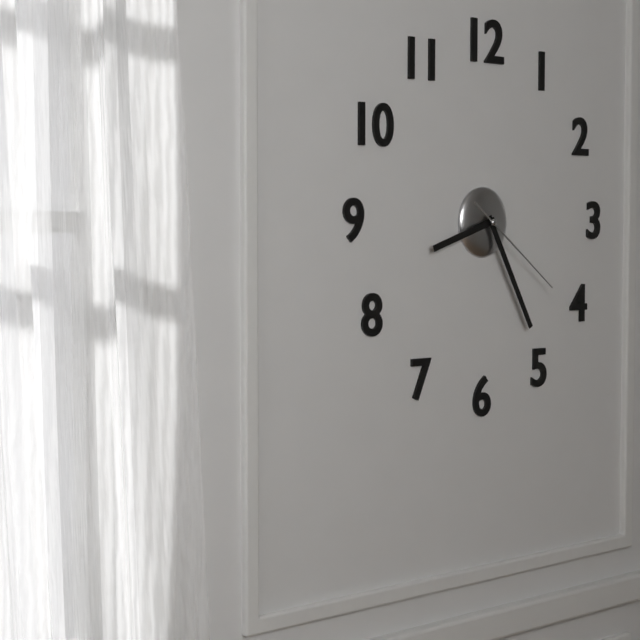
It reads 8h25m21s
